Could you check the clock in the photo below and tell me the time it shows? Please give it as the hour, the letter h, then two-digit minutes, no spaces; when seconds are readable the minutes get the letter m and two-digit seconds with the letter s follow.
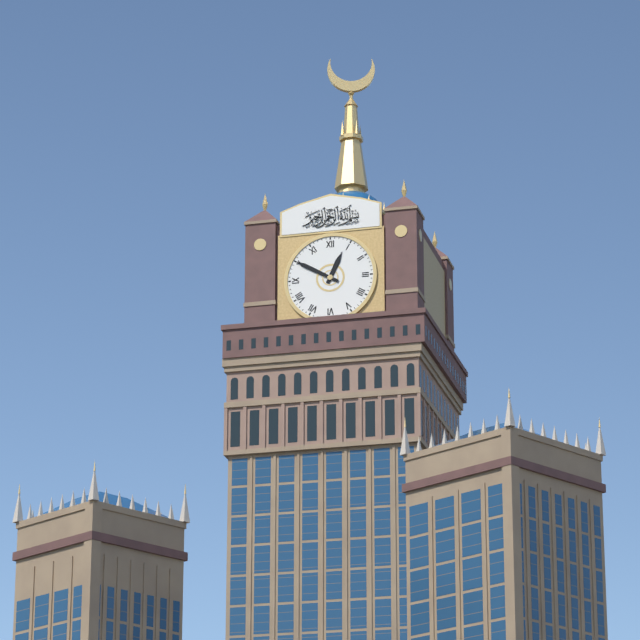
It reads 12h50
